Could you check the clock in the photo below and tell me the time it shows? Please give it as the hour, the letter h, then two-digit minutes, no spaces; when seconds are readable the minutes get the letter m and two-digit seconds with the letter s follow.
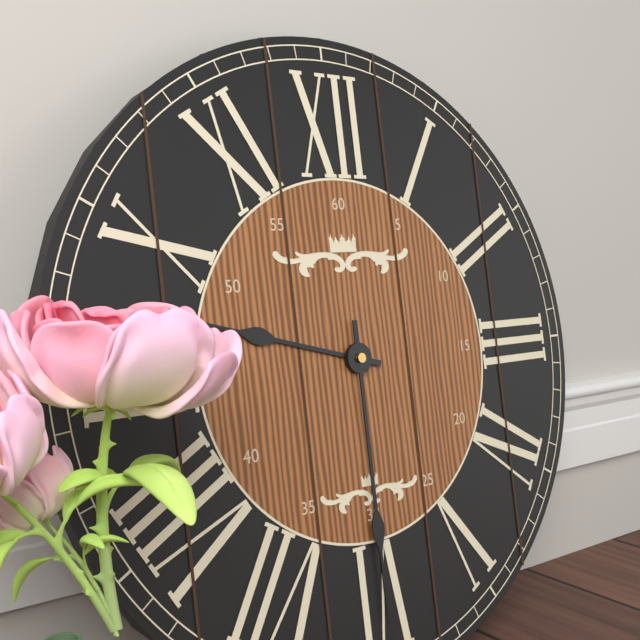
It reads 9h30
